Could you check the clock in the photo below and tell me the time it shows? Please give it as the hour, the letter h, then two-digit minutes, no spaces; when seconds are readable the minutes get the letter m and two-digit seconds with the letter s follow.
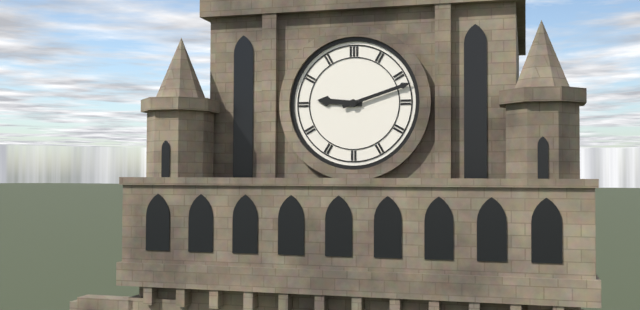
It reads 9h12
